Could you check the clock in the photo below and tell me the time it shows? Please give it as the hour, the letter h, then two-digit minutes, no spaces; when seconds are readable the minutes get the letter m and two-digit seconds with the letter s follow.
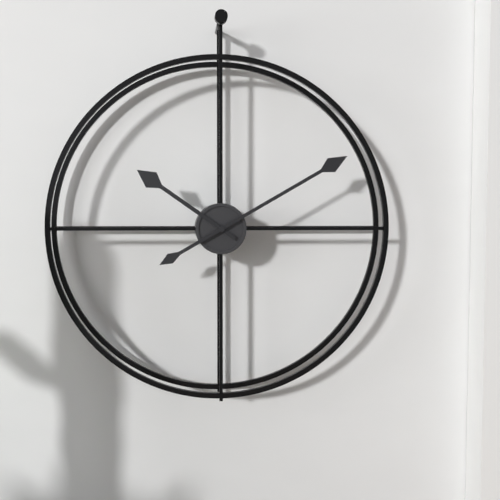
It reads 10h10
